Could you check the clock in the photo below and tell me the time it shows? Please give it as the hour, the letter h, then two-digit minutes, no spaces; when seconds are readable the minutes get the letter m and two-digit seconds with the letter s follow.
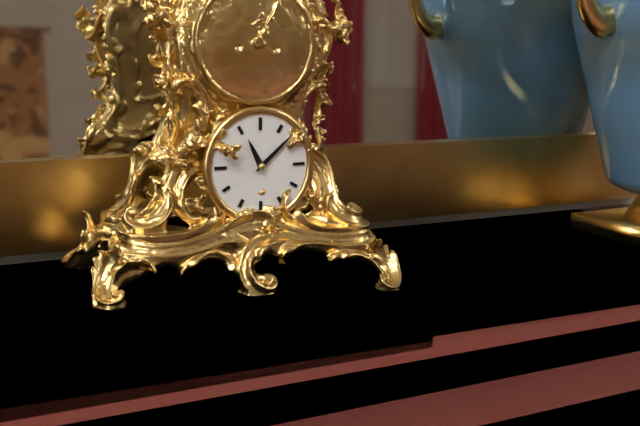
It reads 11h08
